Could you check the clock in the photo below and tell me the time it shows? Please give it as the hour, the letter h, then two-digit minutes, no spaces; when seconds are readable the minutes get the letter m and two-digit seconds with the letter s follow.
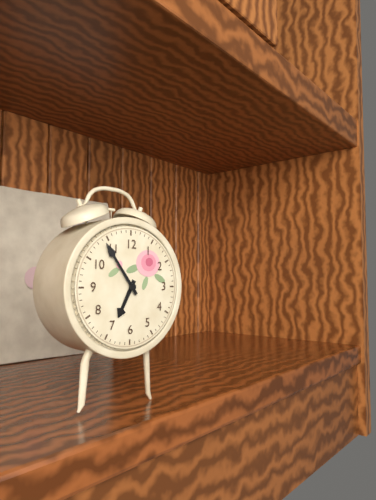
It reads 6h54
